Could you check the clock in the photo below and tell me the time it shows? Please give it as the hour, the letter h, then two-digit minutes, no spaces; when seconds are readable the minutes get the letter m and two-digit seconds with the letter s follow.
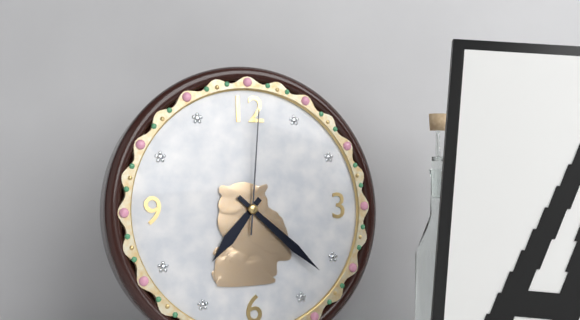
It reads 7h22m01s
